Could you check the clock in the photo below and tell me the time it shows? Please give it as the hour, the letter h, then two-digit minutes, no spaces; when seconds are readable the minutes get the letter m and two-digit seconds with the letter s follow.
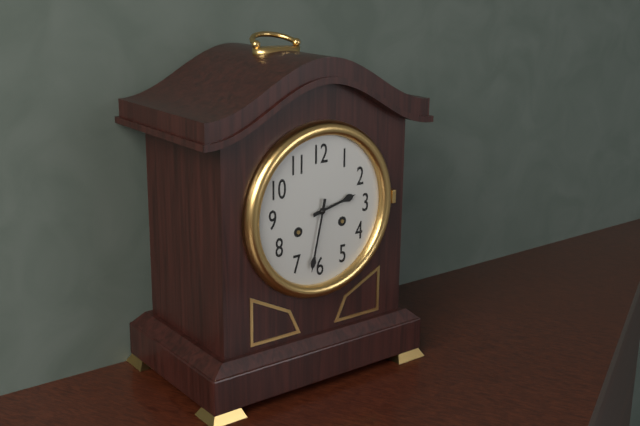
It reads 2h32
